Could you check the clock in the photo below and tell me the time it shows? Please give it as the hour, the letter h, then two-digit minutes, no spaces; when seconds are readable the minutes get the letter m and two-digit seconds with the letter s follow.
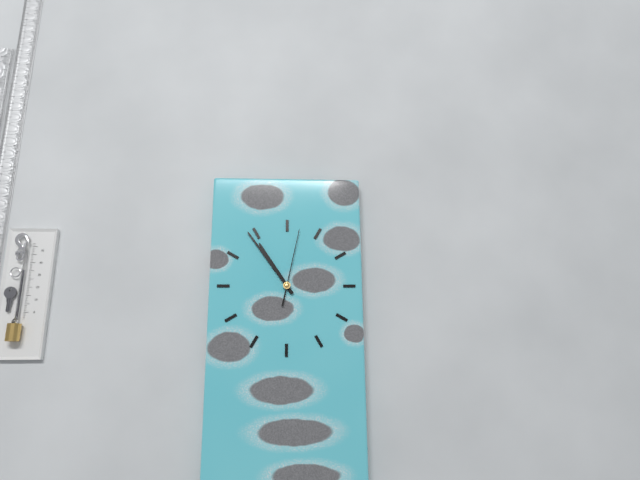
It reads 10h54m02s
